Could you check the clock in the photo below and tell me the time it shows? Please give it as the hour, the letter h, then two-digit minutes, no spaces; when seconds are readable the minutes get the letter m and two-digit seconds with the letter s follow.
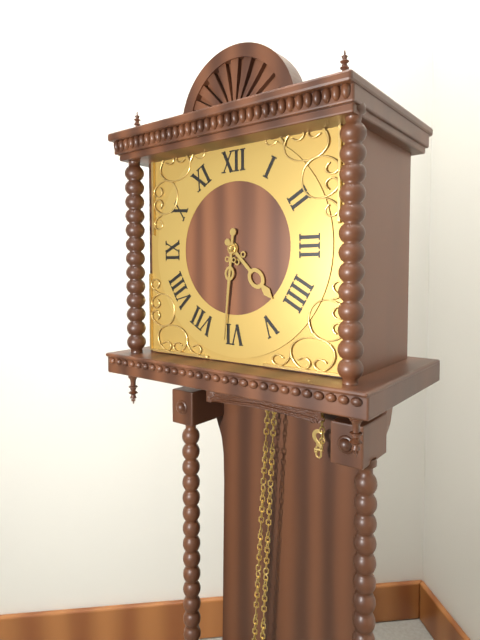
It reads 4h31
